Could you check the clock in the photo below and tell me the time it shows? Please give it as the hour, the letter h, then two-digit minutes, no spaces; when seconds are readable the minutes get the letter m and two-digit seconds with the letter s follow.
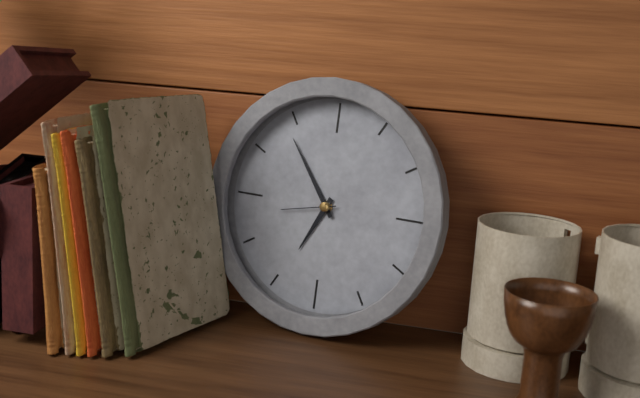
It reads 6h54m43s
